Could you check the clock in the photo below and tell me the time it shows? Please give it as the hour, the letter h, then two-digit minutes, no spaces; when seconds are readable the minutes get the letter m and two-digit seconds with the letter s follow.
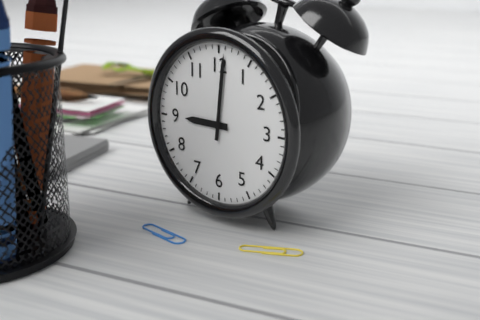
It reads 9h01
